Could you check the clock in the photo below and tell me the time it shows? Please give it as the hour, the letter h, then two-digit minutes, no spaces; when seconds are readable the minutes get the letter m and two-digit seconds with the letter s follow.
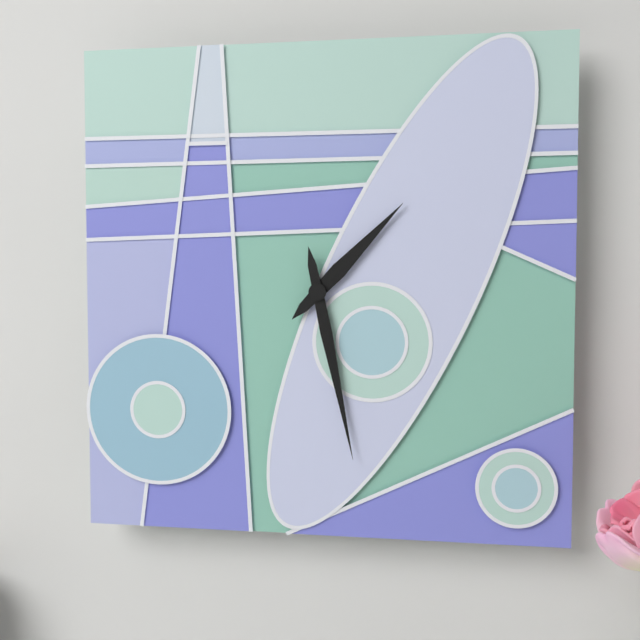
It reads 1h28
